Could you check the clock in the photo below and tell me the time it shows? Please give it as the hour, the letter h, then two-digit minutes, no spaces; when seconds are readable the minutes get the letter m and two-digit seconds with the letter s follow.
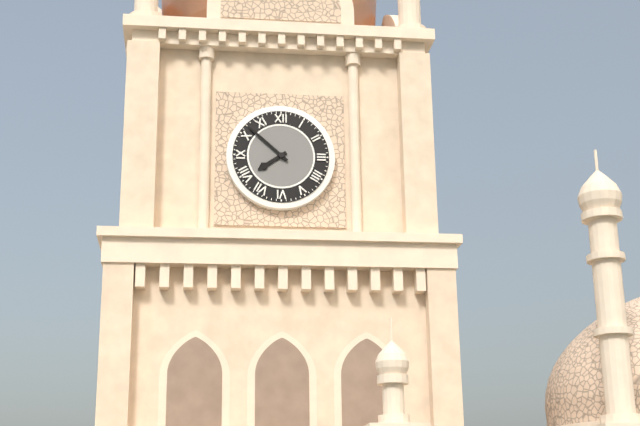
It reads 7h52
